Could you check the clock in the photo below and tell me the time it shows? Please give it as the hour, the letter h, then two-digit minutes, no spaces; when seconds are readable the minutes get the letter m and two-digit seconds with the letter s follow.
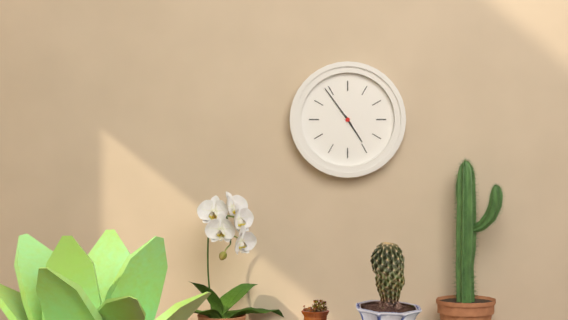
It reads 4h54
